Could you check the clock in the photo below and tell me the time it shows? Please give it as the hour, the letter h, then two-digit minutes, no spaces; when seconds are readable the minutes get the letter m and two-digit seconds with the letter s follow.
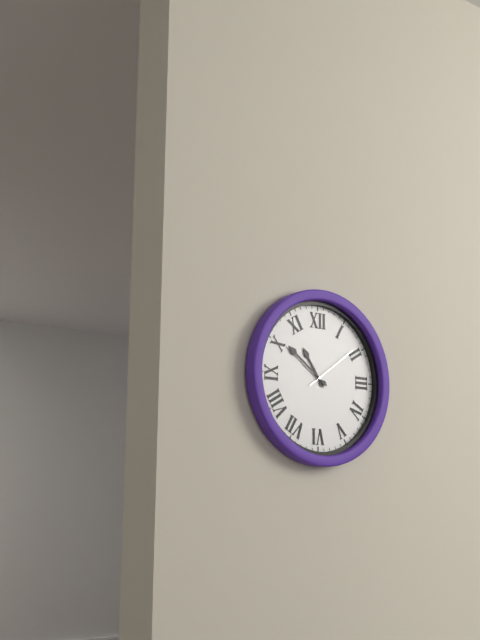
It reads 10h51m09s
